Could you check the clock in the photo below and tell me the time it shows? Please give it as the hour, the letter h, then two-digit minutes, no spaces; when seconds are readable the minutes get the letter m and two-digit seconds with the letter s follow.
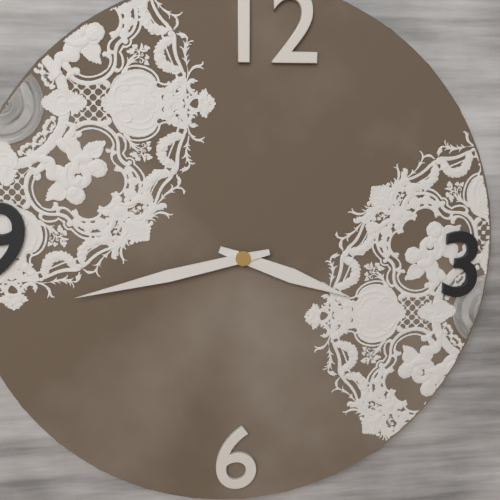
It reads 3h43
